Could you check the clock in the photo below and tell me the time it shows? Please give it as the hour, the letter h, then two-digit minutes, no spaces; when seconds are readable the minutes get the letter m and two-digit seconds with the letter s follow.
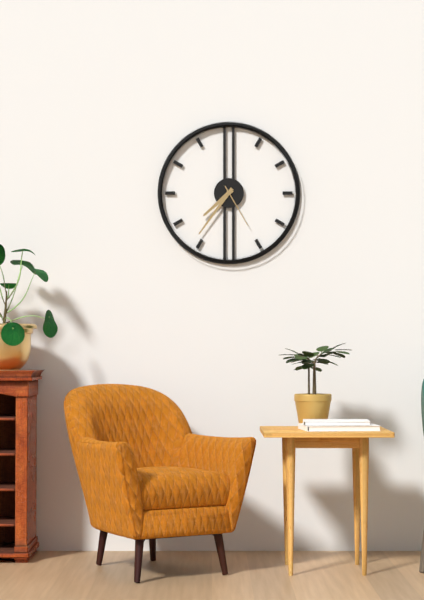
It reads 7h36
